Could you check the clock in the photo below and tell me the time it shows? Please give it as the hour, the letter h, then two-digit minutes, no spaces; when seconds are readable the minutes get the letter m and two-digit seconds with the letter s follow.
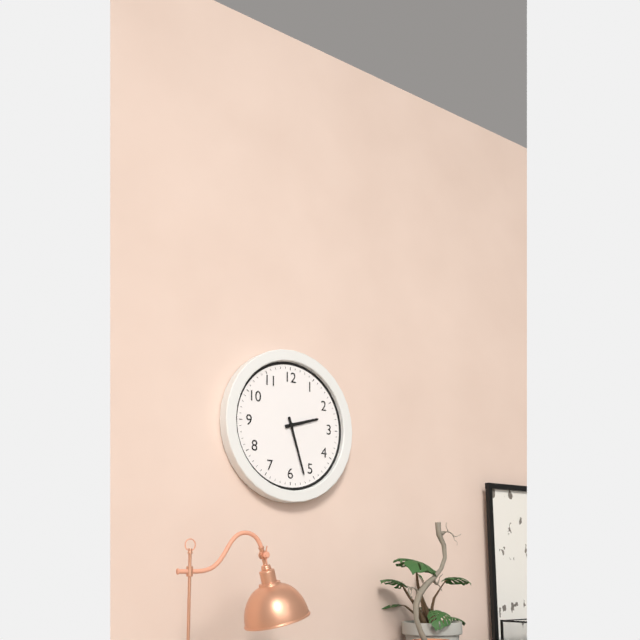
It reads 2h27
